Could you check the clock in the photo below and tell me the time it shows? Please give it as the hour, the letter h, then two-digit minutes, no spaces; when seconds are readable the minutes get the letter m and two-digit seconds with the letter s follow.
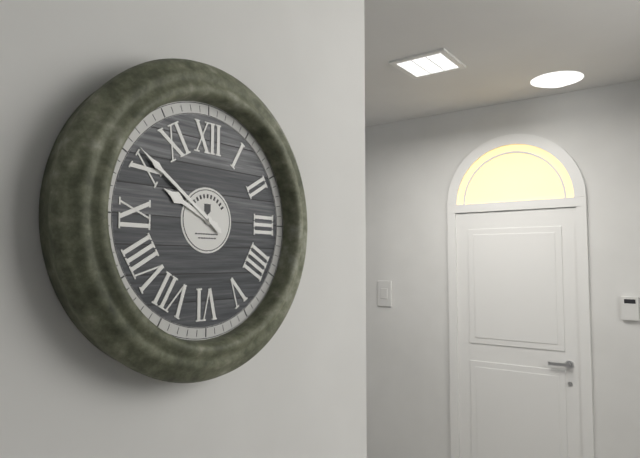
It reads 9h51
